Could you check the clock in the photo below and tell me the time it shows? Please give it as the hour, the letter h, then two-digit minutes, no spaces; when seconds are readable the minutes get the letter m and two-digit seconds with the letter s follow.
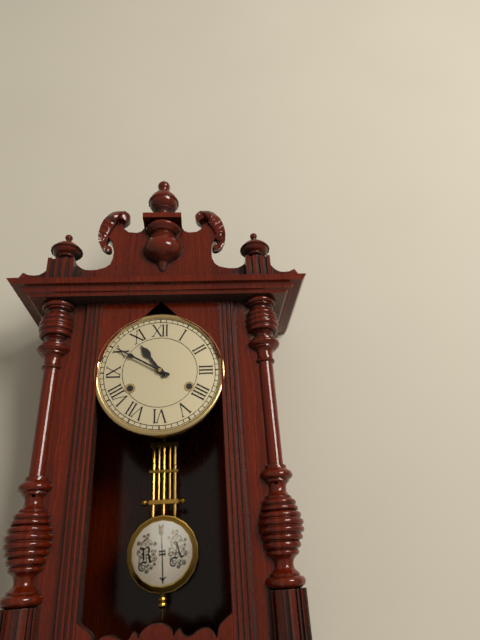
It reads 10h50
